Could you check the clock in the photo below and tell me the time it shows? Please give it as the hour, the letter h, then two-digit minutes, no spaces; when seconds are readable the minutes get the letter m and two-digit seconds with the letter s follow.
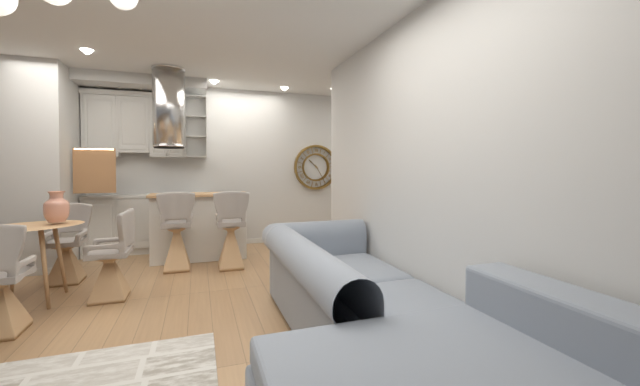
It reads 10h25
